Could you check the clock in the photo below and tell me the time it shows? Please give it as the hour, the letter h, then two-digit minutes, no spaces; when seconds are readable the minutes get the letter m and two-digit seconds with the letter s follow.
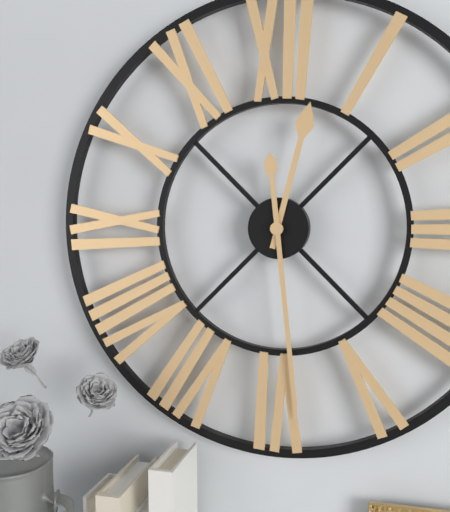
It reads 12h29
